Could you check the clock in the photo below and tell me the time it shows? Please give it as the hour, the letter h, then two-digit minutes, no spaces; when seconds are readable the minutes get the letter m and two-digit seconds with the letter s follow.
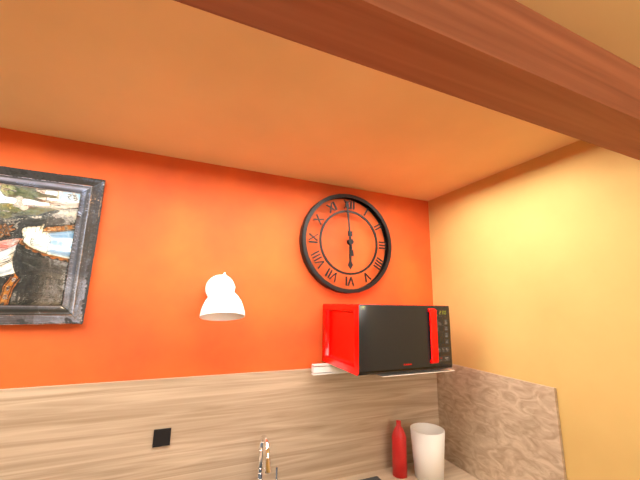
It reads 5h59
